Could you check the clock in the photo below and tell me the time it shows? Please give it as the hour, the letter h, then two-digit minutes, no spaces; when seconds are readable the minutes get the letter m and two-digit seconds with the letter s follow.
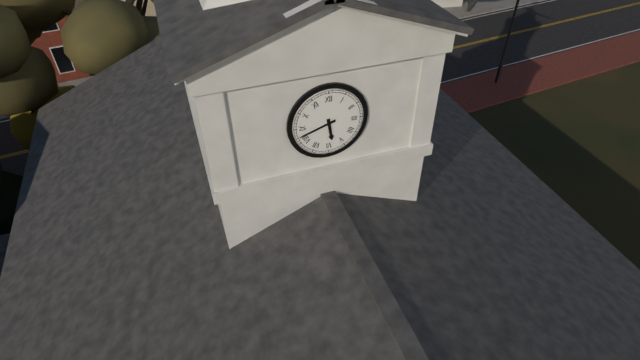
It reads 5h42
